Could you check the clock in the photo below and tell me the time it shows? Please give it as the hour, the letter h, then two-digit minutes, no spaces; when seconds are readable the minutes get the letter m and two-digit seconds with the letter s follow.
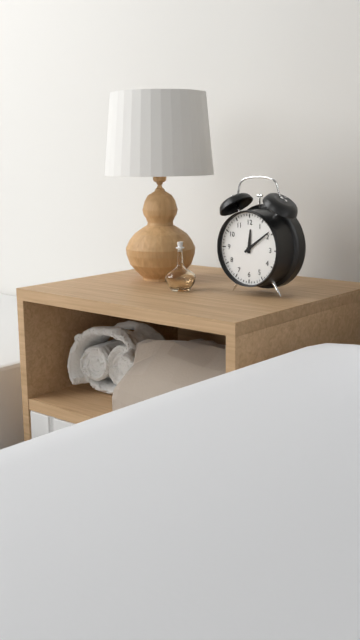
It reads 12h09
